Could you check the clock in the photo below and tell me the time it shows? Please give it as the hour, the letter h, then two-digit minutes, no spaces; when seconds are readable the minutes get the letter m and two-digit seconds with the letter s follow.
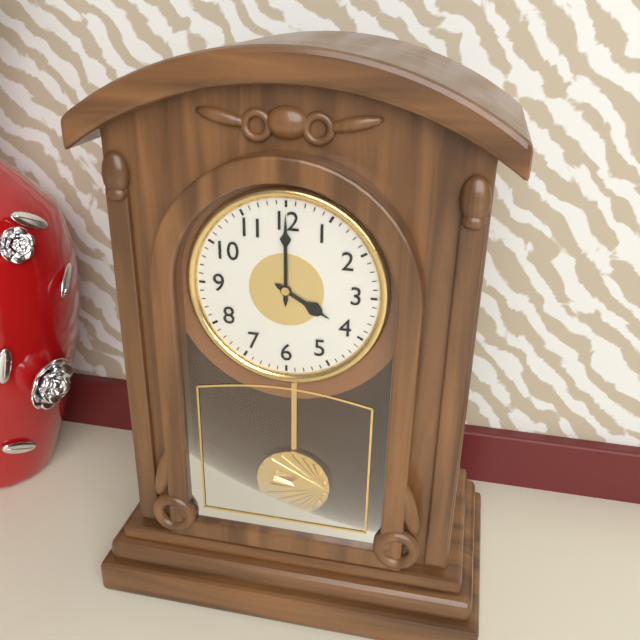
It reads 4h00
